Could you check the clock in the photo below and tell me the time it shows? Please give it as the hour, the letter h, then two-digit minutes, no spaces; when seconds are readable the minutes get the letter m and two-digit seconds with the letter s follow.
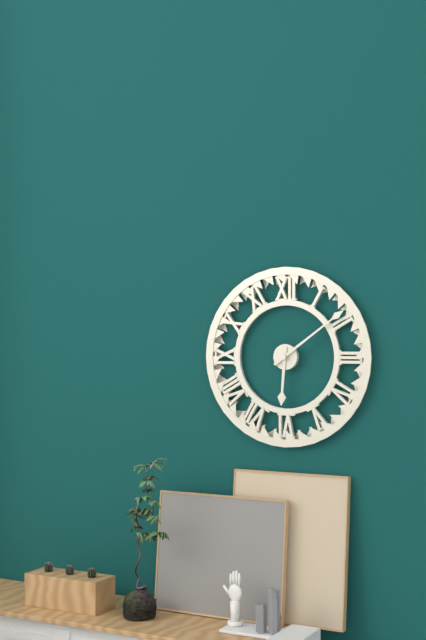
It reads 6h09
